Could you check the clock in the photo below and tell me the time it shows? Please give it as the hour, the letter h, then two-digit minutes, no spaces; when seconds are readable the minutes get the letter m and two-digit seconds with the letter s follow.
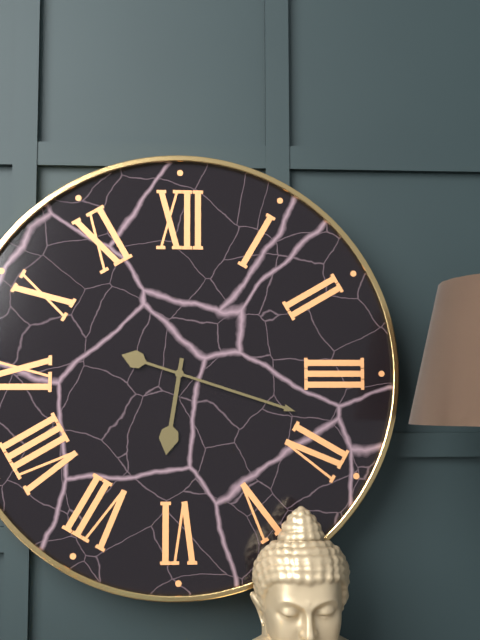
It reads 6h18
